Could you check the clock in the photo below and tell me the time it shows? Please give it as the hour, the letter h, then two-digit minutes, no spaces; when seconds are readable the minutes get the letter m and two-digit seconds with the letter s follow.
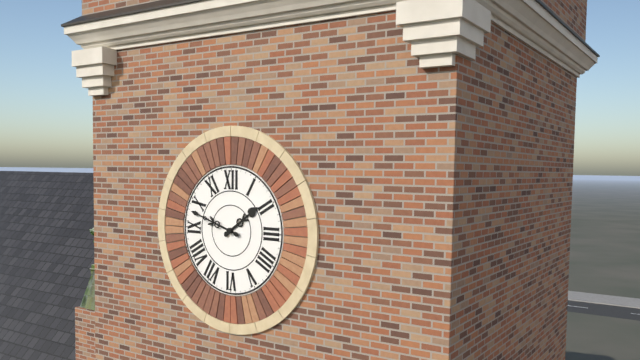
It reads 1h48
